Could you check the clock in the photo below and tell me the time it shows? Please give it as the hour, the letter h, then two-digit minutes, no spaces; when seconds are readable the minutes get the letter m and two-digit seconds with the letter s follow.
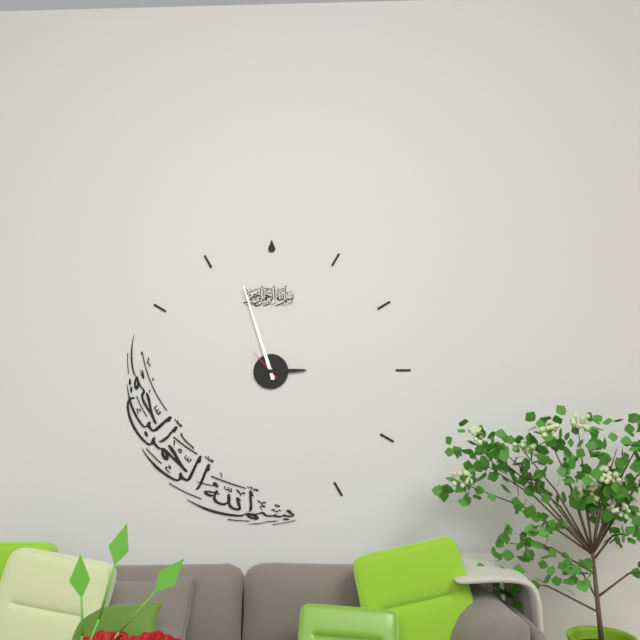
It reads 2h57
